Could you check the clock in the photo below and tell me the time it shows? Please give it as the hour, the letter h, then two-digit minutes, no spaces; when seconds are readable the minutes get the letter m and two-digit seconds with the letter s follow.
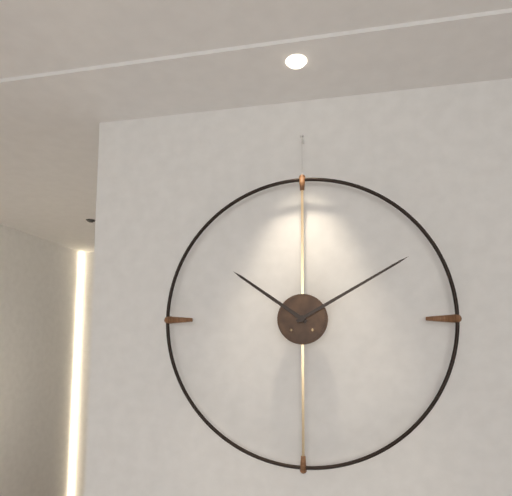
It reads 10h10
